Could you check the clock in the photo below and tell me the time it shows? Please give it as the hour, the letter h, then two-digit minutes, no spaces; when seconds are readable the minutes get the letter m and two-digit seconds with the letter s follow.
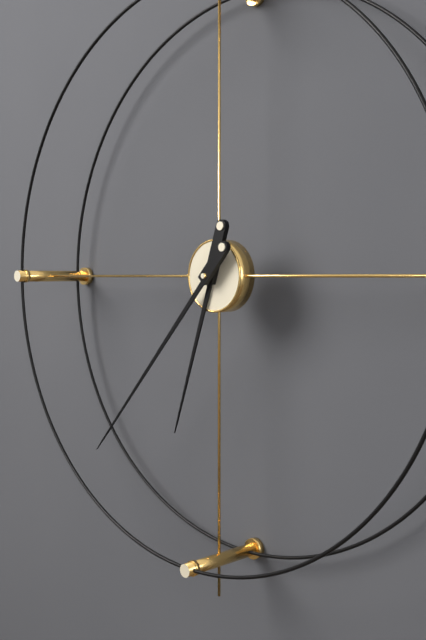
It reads 6h37
